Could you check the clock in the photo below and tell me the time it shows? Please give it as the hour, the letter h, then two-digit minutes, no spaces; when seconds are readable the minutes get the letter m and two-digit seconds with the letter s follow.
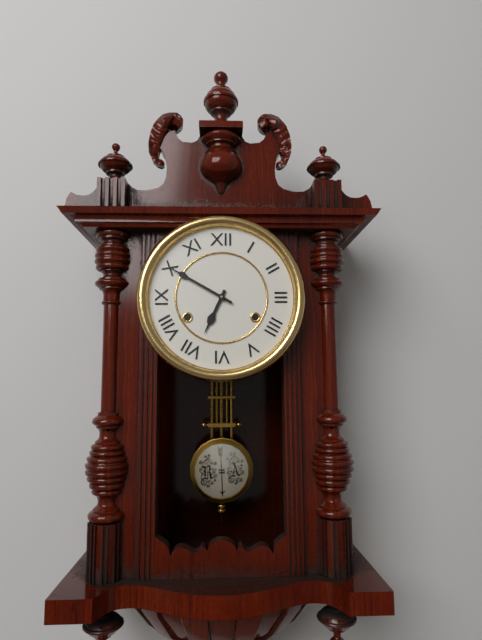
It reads 6h50
